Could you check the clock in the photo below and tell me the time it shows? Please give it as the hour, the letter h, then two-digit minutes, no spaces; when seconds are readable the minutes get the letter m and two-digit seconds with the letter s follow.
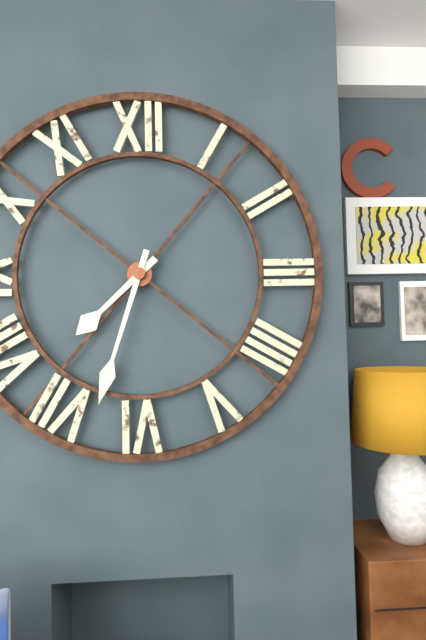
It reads 7h33
